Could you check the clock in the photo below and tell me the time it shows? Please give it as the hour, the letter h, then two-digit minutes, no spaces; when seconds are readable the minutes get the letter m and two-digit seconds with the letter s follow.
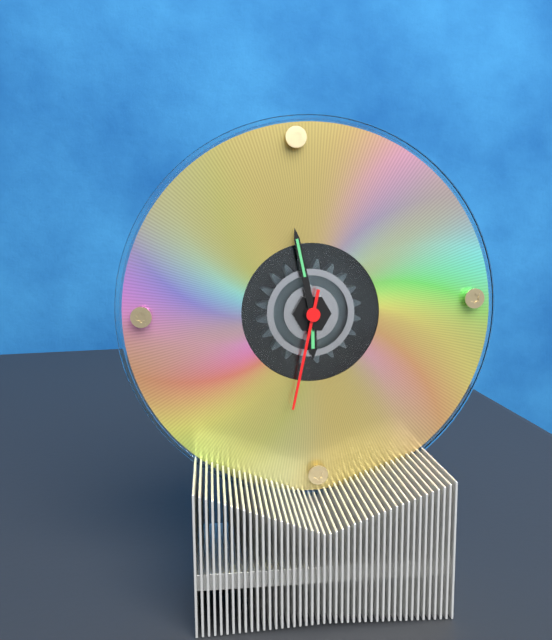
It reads 5h58m32s
